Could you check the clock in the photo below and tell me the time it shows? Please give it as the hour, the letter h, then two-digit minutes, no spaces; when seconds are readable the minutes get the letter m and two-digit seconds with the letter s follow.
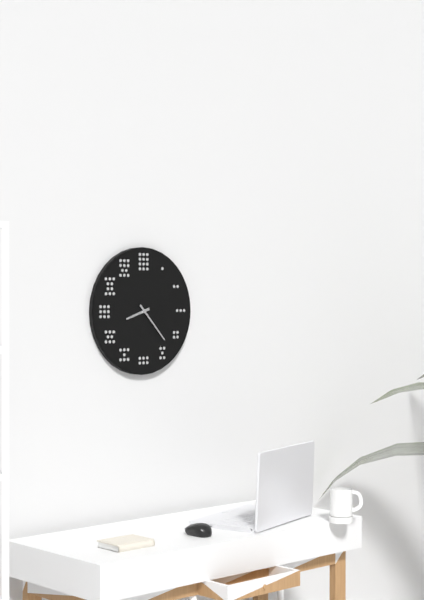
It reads 8h23
